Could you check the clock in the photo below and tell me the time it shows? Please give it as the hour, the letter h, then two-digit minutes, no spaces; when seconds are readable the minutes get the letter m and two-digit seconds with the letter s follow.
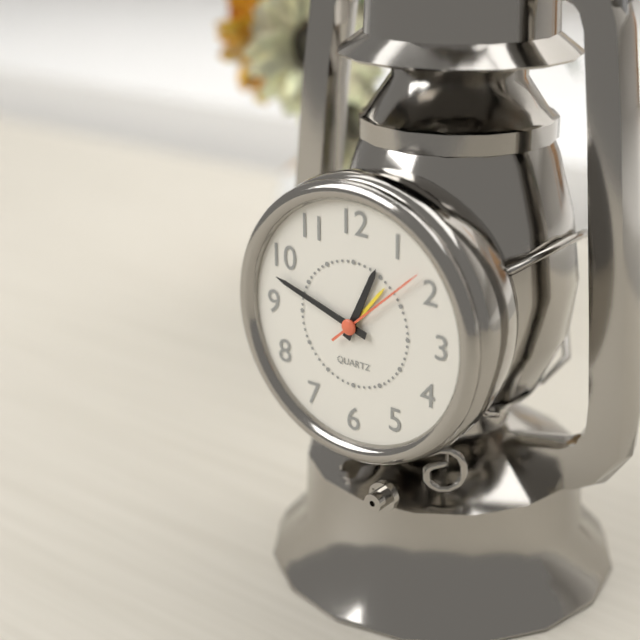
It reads 12h48m08s
